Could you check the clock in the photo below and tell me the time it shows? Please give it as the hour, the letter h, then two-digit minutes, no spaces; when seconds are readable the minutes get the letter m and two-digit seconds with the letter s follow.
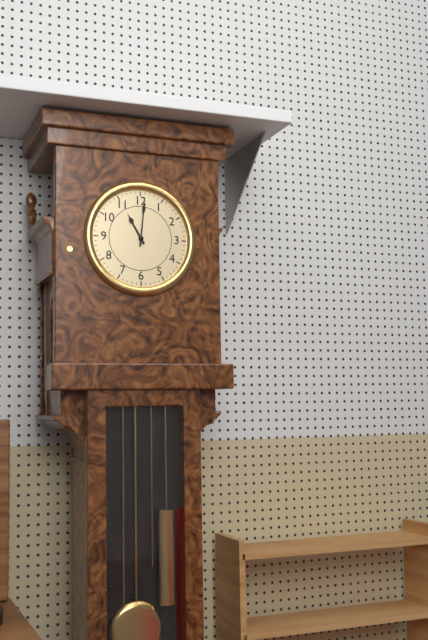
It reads 11h01
